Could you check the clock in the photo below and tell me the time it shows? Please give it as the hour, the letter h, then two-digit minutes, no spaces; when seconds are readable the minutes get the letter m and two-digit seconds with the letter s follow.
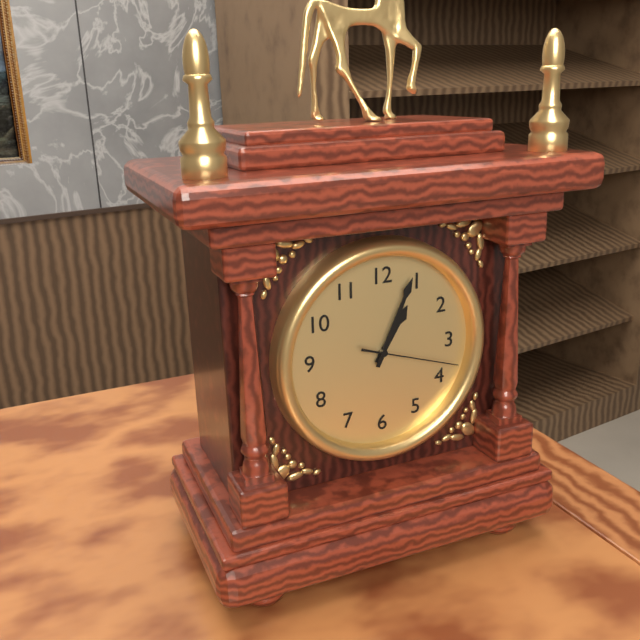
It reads 1h04m18s
